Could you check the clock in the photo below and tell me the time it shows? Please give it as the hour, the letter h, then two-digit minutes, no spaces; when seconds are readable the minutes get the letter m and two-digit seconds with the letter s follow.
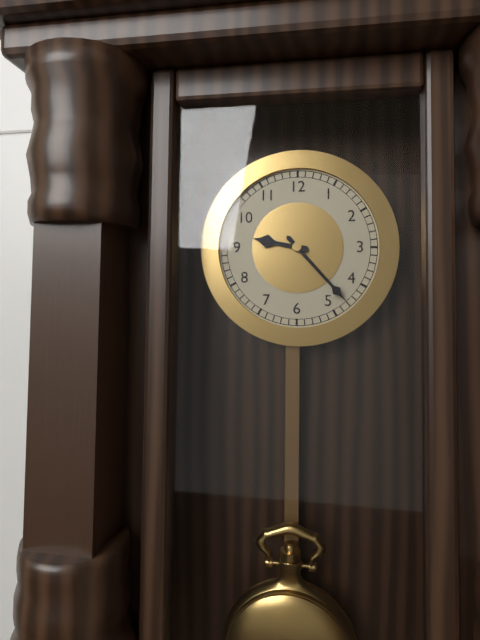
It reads 9h23
